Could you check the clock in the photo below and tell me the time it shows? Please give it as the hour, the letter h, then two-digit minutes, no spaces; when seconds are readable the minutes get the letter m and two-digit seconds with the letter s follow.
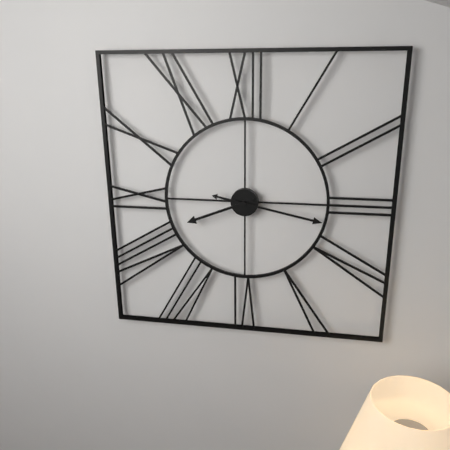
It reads 8h17
